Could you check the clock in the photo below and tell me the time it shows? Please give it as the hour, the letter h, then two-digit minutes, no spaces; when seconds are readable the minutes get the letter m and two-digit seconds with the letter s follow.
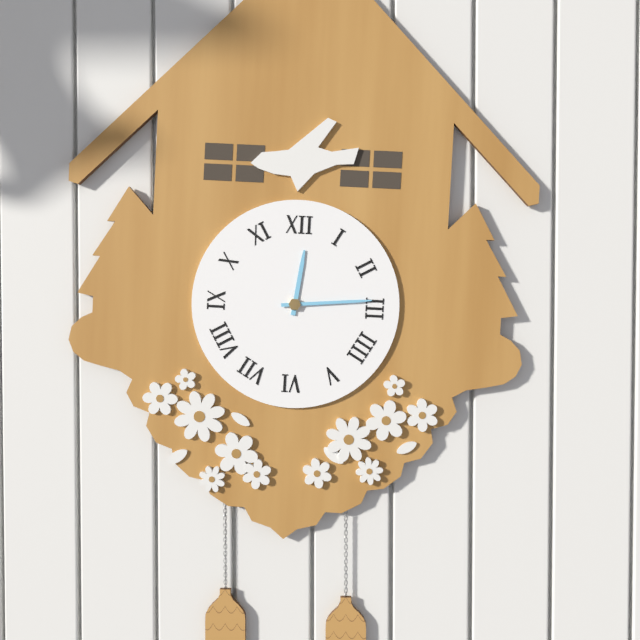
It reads 12h14
